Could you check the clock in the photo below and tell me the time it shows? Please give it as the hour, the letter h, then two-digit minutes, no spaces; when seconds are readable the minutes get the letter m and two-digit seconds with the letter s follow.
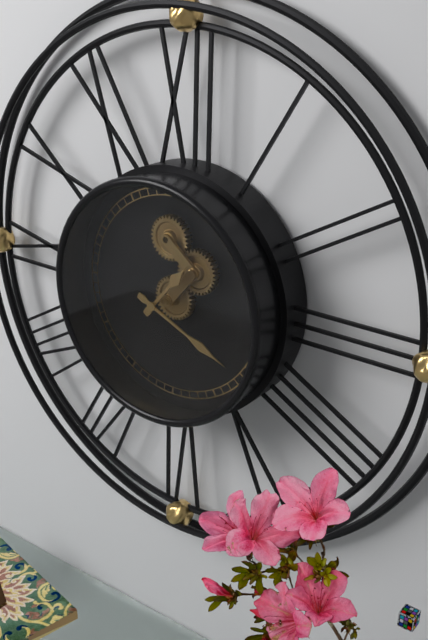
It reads 1h19
